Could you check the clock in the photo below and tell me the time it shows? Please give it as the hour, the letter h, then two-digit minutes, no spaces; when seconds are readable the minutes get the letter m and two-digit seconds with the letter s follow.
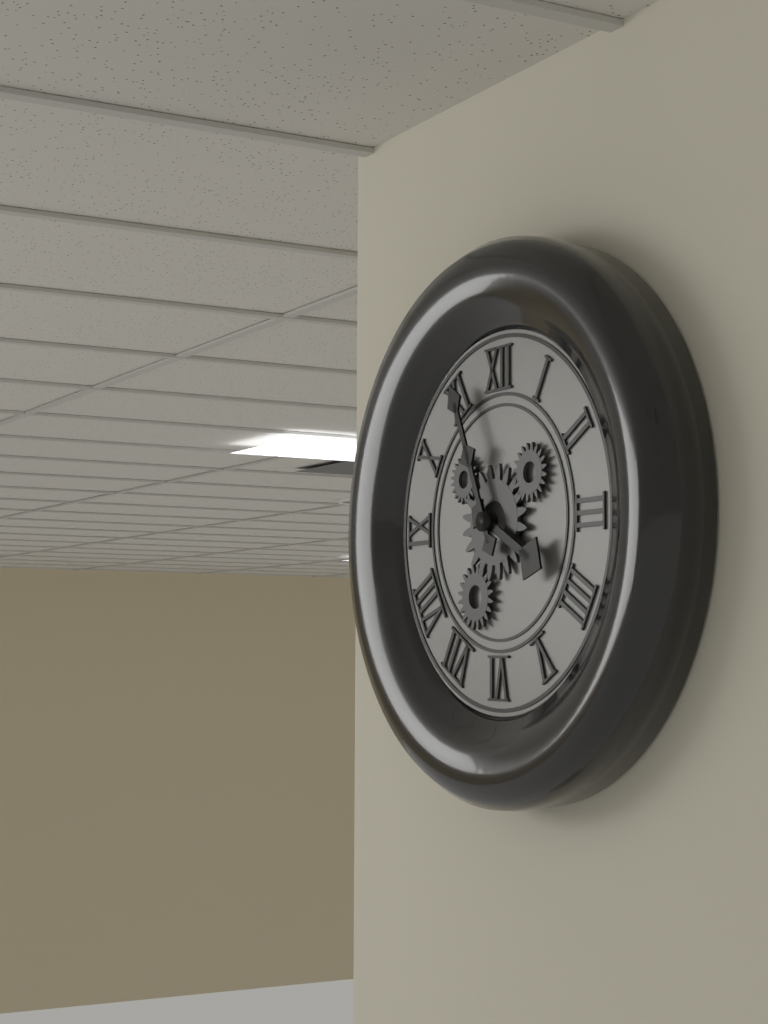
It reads 3h56
